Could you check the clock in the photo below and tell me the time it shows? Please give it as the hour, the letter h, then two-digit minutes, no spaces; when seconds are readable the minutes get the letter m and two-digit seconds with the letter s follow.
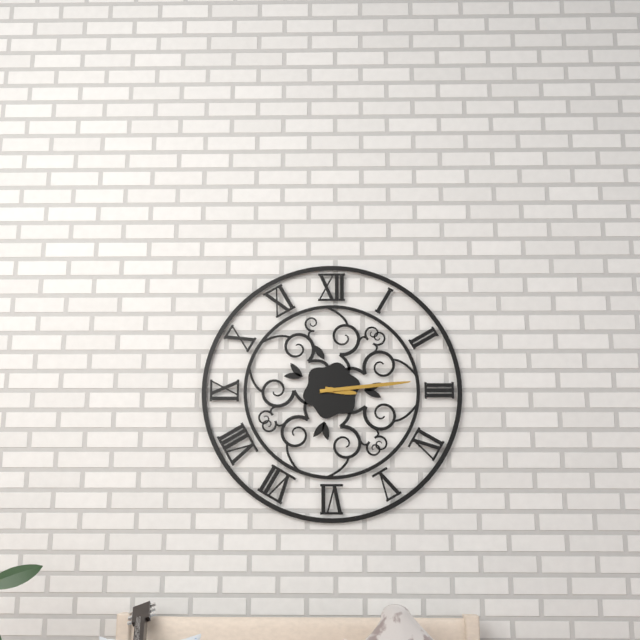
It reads 3h14
